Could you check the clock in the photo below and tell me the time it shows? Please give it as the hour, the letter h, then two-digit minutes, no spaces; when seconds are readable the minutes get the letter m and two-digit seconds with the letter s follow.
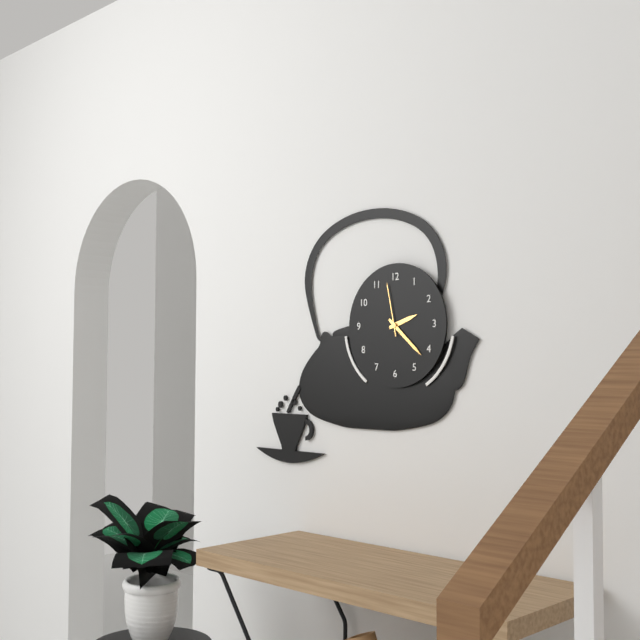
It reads 2h22m58s
